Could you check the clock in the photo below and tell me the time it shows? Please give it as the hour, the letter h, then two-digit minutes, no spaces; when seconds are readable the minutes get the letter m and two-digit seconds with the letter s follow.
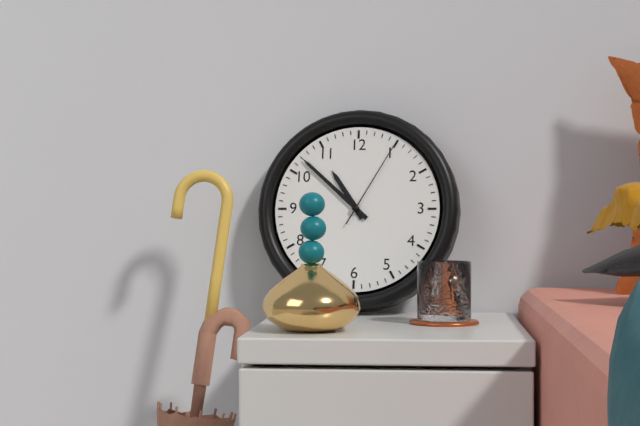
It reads 10h52m05s
